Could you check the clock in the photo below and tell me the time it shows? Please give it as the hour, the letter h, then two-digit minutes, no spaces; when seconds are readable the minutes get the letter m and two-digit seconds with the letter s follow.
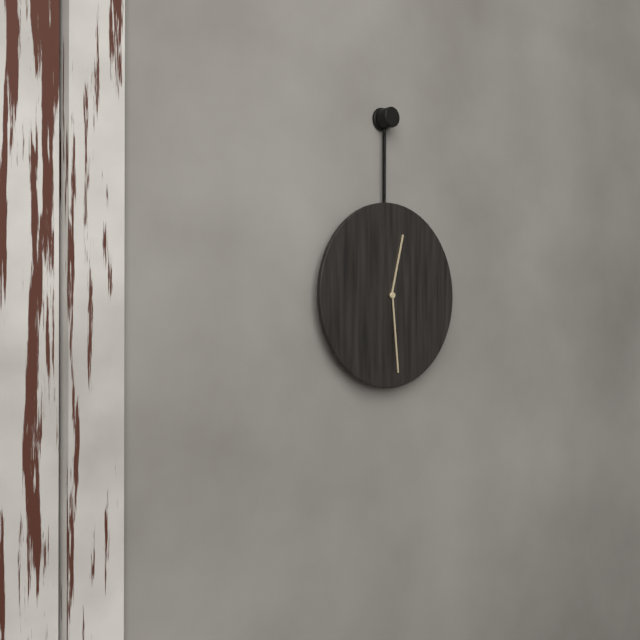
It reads 12h29
